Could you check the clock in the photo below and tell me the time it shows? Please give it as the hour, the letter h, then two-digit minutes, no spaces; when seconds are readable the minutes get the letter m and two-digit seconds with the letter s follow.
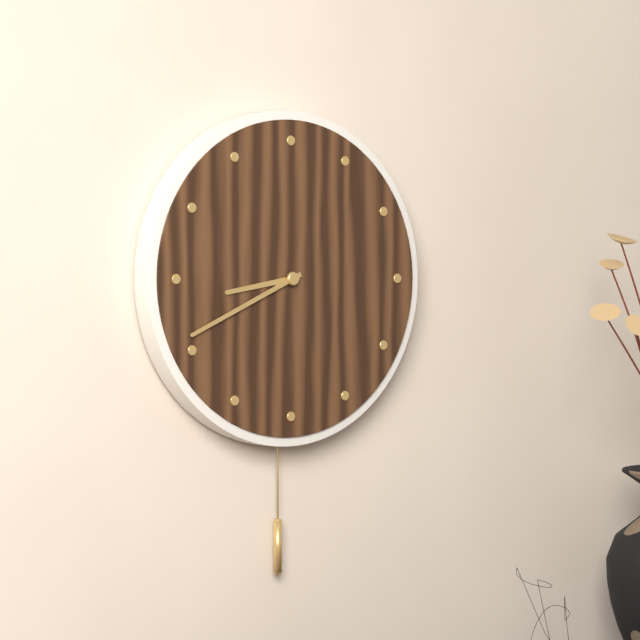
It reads 8h41
